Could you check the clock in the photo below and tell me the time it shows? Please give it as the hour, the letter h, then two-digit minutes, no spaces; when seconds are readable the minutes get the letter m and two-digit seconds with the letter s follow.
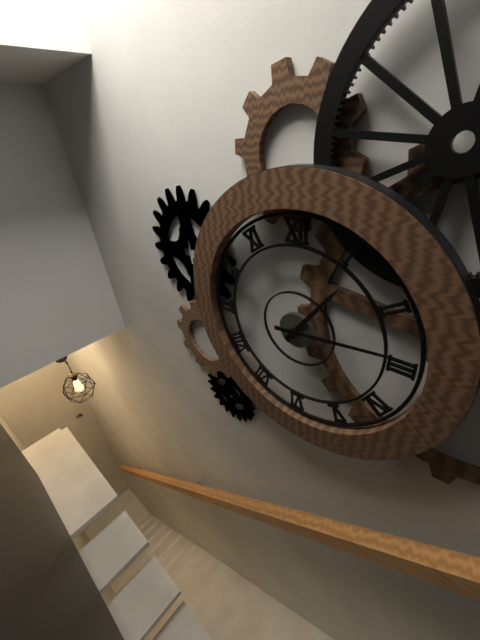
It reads 1h14
